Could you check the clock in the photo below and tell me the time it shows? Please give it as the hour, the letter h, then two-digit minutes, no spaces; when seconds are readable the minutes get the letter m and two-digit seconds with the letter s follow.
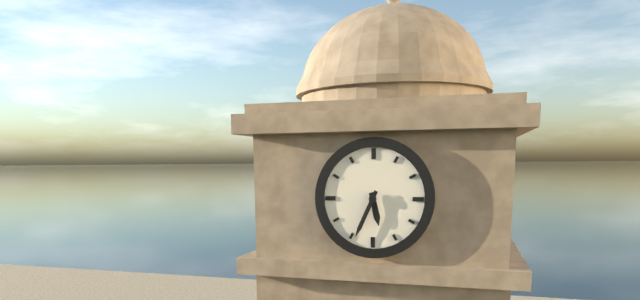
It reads 5h34
